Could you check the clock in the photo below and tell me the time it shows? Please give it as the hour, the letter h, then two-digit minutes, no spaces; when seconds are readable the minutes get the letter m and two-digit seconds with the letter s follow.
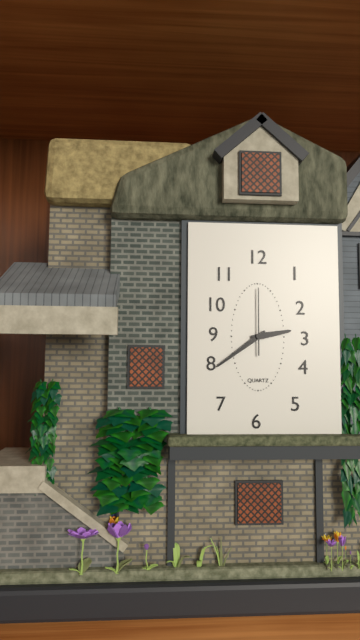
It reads 2h39m00s
